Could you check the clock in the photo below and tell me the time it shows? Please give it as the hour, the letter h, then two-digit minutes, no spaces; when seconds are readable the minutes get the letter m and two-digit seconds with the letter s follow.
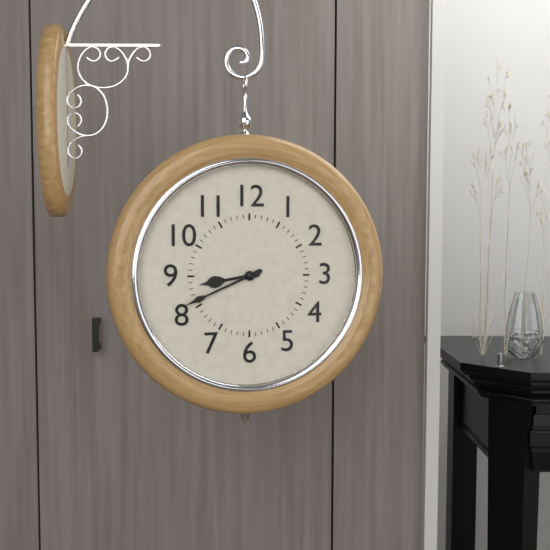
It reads 8h41
